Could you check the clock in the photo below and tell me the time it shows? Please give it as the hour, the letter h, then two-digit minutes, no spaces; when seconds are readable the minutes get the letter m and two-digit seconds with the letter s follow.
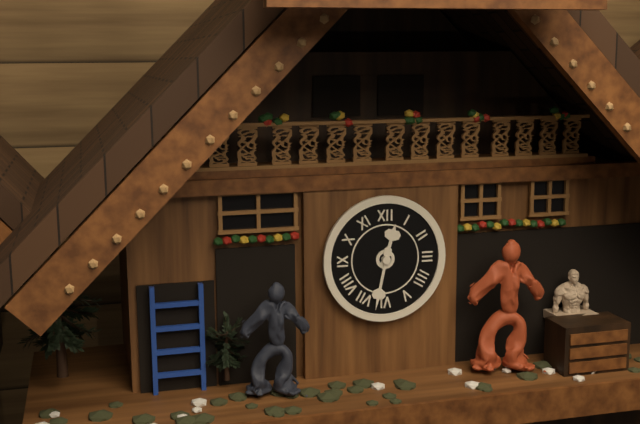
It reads 12h32
